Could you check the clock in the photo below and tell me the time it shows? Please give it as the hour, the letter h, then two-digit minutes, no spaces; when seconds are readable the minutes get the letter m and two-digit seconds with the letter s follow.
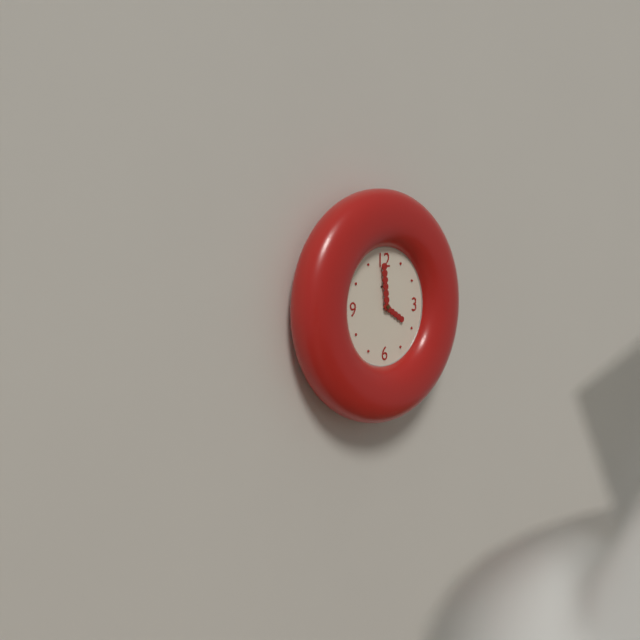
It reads 3h59
